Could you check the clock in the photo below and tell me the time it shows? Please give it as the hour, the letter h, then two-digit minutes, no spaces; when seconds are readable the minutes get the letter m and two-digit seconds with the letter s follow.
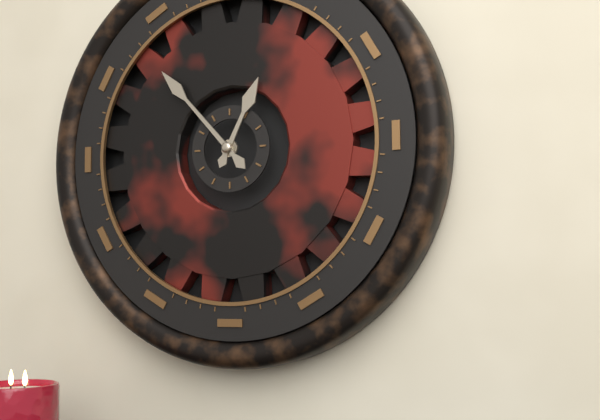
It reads 12h53
